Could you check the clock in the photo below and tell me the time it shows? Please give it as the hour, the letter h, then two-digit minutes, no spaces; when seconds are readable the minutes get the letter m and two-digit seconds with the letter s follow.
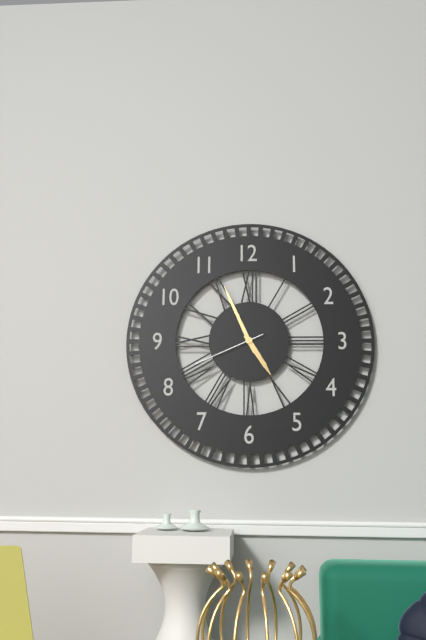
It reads 4h56m41s
